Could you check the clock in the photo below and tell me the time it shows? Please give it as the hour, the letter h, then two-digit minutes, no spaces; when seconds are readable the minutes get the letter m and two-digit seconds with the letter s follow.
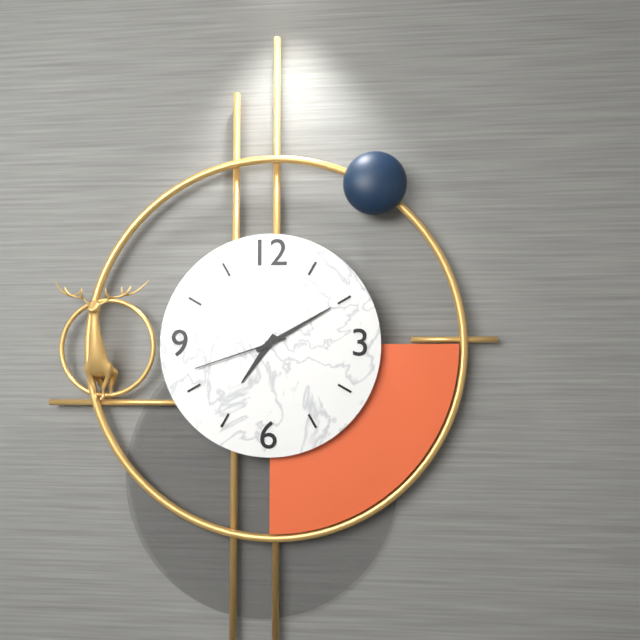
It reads 7h10m42s
